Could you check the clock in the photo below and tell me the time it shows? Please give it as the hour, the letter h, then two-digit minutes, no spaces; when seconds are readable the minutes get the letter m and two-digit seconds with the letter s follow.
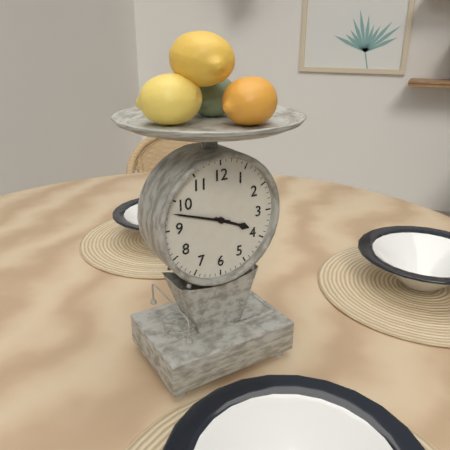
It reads 3h48
